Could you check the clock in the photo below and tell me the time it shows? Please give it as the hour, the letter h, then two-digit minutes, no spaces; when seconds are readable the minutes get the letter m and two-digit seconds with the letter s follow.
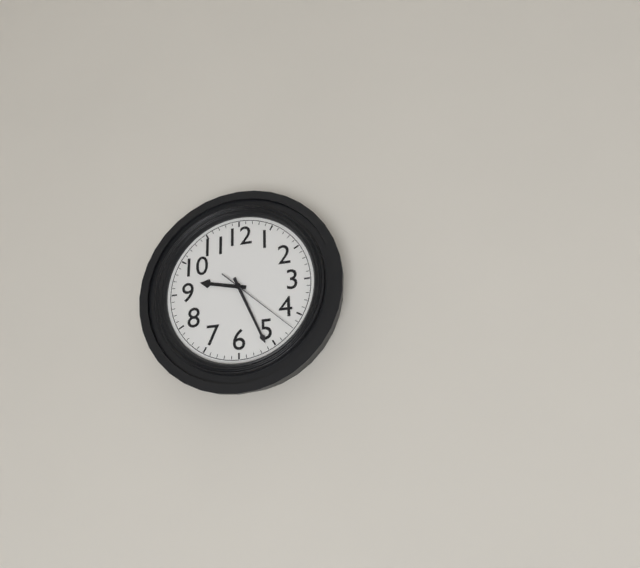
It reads 9h26m22s
